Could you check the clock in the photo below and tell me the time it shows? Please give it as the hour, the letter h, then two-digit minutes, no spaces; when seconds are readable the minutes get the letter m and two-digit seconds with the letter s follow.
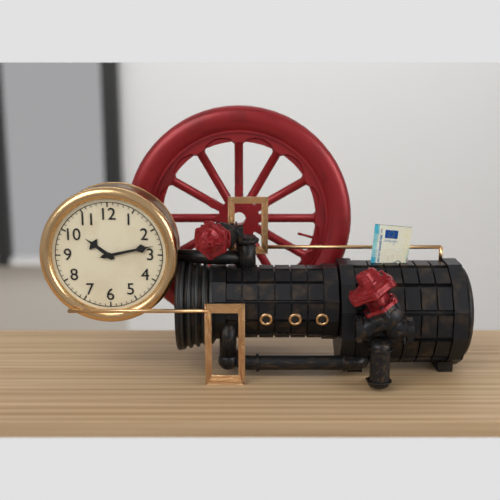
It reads 10h13
